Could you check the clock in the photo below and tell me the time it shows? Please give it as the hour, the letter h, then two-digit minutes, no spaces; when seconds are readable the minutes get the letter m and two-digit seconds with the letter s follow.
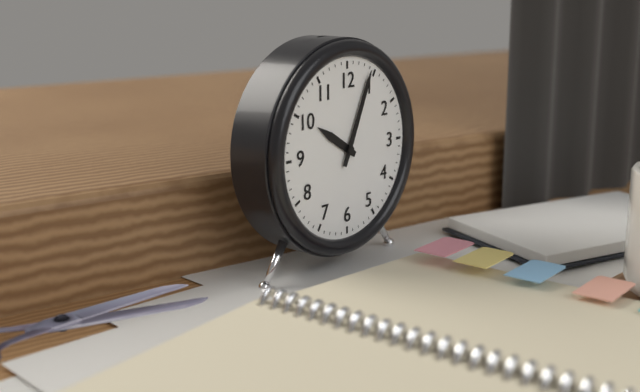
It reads 10h04
